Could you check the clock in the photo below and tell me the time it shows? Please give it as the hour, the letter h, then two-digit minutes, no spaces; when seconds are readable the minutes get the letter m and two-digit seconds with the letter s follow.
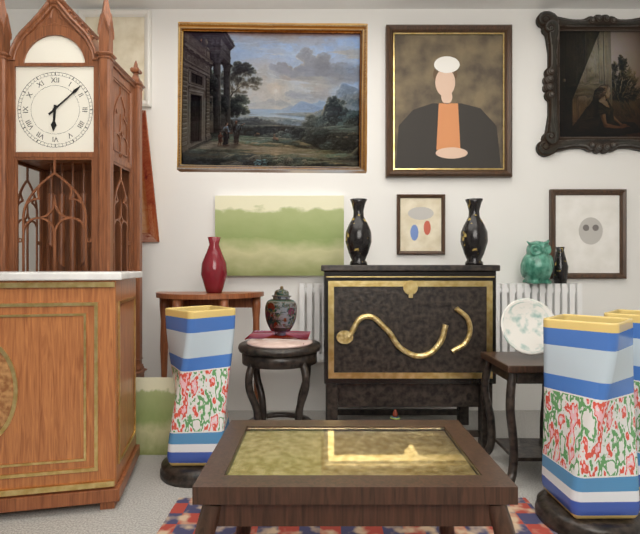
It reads 6h08
